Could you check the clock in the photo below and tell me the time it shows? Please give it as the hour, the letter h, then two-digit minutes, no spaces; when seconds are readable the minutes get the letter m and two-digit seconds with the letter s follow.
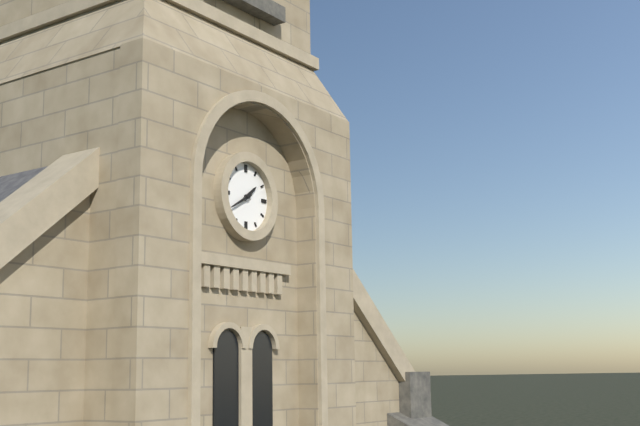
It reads 1h40
